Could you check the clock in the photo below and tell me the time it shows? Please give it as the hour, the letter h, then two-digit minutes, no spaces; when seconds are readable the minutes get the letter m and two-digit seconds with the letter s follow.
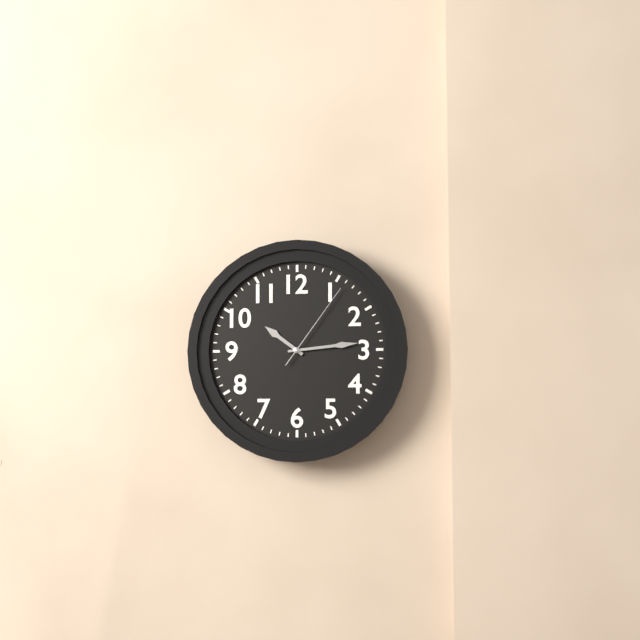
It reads 10h14m06s
